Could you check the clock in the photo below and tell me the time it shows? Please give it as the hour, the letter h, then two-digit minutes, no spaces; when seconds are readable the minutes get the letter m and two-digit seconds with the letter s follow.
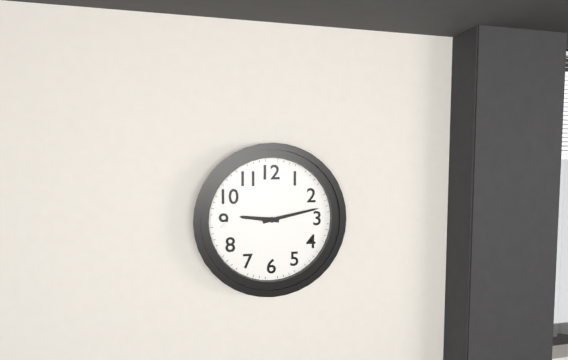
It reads 9h13
